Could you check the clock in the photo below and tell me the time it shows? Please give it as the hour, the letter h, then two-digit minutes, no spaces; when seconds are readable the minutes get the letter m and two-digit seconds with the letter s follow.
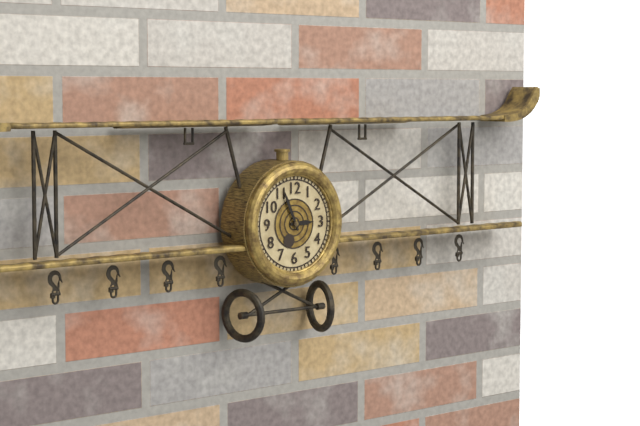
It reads 2h56
